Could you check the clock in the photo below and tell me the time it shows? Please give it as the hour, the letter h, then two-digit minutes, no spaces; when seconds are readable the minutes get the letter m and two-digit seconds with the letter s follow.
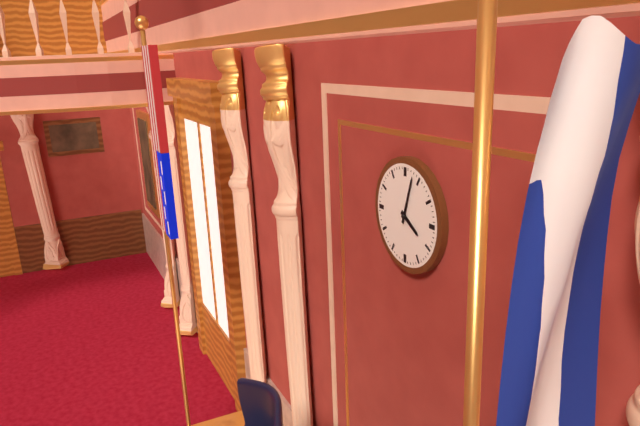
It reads 4h03
